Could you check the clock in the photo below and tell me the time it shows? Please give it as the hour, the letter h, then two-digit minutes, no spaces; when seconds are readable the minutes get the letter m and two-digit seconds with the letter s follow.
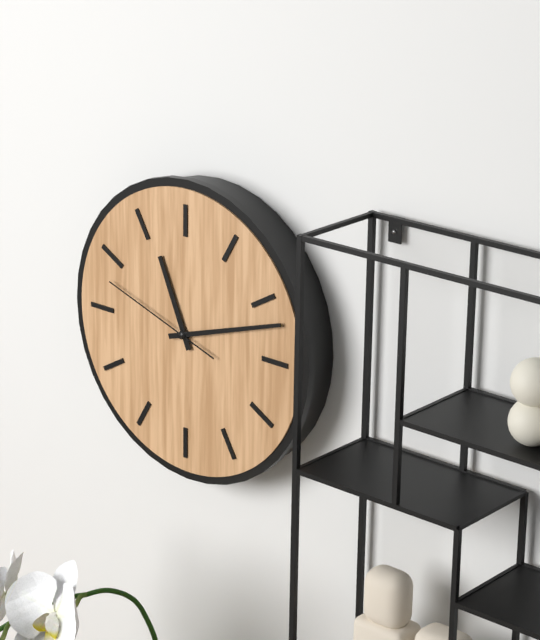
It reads 11h12m48s
